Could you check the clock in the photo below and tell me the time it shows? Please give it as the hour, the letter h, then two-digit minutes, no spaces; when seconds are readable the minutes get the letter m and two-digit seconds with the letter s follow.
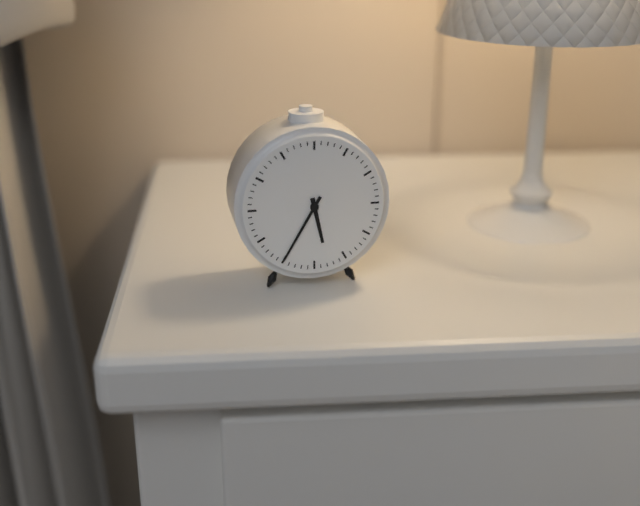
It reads 5h35
